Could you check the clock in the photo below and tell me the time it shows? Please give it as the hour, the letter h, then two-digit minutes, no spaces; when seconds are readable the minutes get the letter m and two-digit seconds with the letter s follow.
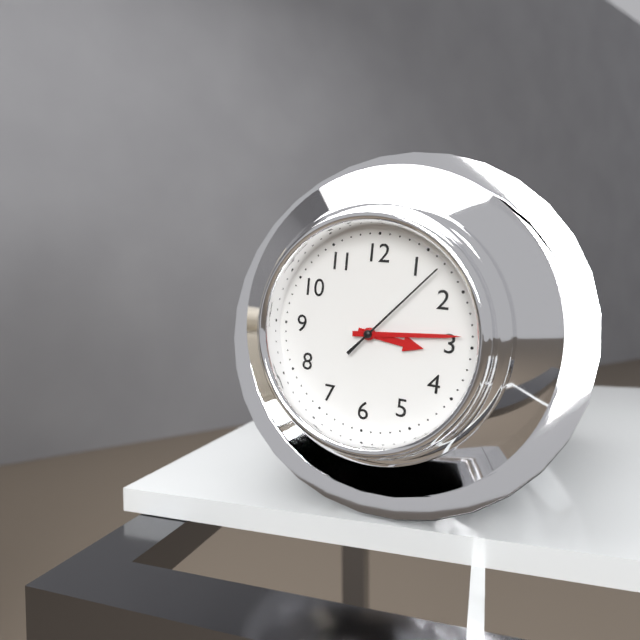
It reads 3h14m07s
